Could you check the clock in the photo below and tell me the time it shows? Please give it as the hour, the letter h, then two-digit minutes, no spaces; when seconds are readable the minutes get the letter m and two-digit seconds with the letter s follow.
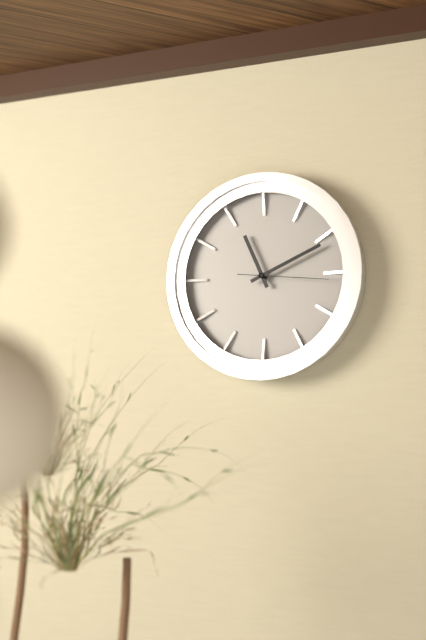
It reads 11h11m16s
